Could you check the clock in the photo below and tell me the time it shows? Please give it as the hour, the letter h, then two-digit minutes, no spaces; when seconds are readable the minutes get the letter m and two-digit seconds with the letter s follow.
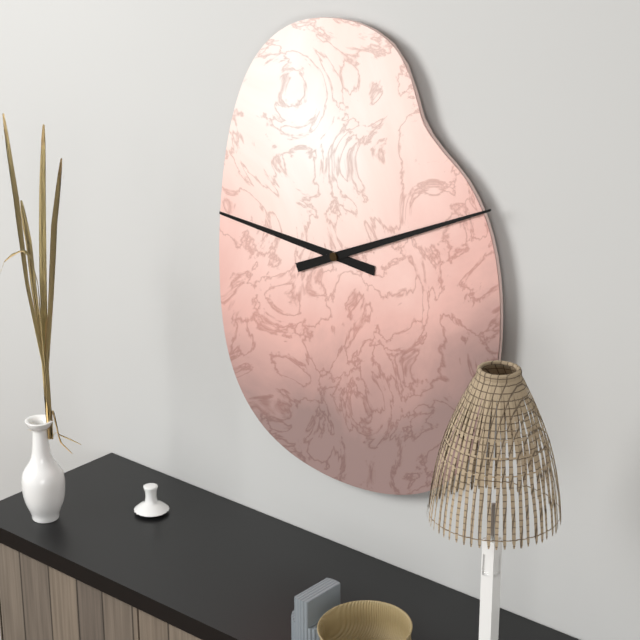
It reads 9h11
